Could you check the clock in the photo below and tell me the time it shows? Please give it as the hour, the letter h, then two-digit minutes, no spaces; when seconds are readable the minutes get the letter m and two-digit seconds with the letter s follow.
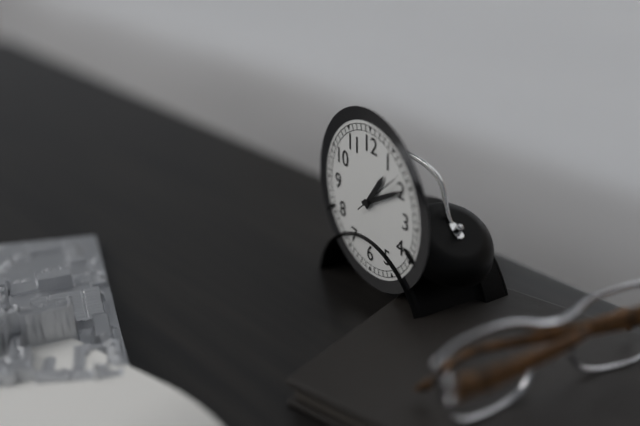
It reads 1h10
